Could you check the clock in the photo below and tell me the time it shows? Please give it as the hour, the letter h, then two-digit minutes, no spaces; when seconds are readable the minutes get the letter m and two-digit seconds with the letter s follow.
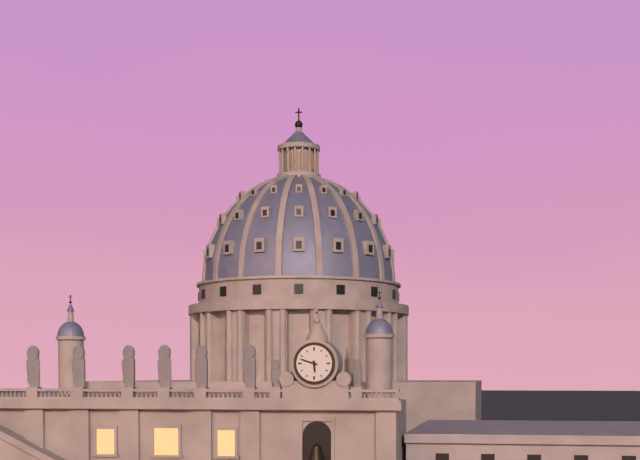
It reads 5h48
